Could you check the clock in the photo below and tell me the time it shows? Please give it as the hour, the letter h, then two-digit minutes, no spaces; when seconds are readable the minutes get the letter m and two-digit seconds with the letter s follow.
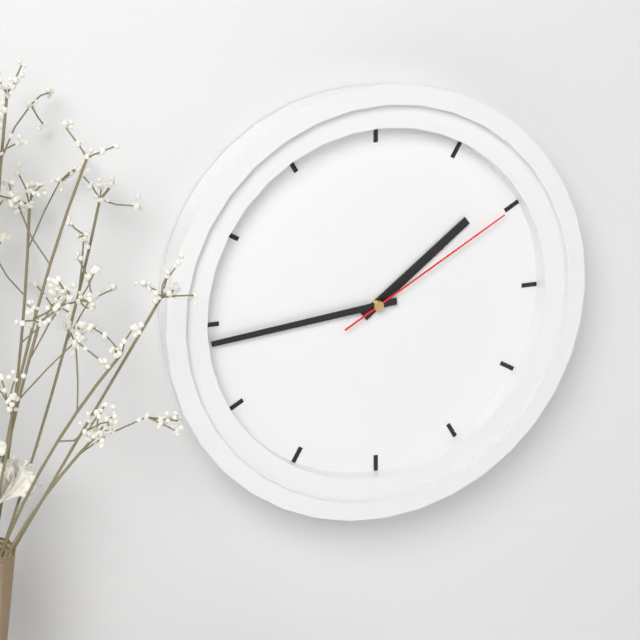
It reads 1h44m10s
